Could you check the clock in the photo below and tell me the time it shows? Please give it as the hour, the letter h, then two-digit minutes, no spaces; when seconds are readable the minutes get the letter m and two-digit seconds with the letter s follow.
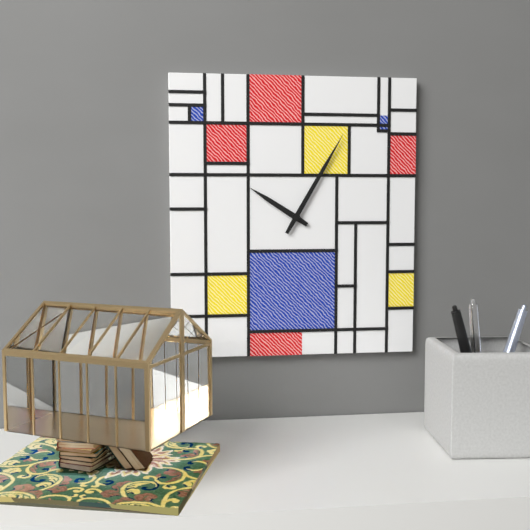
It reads 10h05
